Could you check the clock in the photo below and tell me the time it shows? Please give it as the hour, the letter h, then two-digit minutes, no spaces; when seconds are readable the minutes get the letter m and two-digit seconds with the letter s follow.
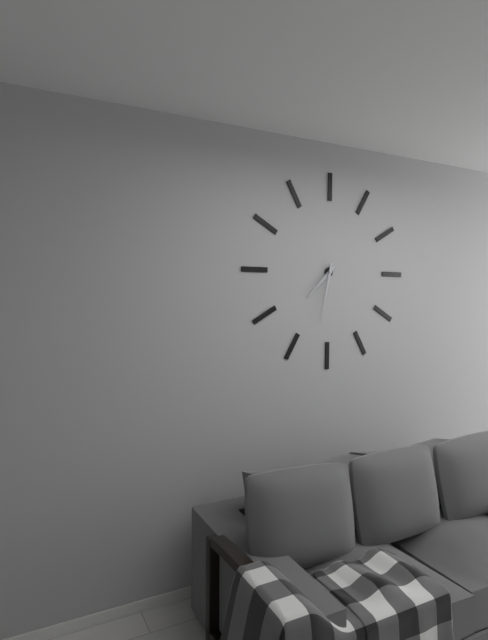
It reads 7h32
